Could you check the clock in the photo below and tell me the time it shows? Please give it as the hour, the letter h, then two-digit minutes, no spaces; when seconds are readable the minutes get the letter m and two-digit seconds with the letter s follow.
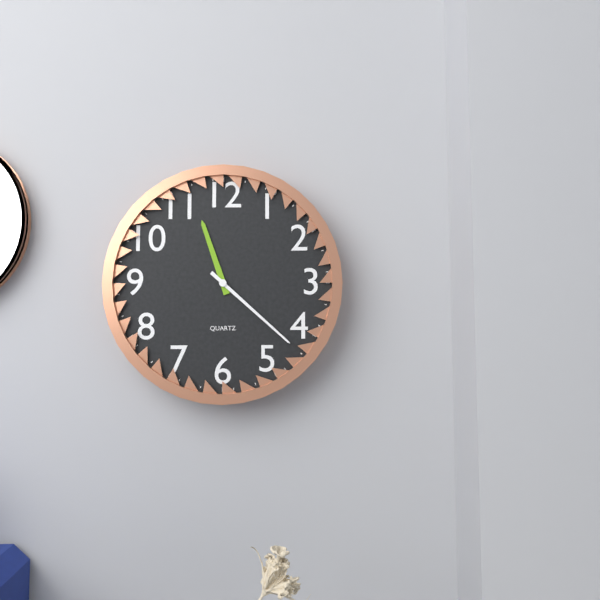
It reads 11h22
